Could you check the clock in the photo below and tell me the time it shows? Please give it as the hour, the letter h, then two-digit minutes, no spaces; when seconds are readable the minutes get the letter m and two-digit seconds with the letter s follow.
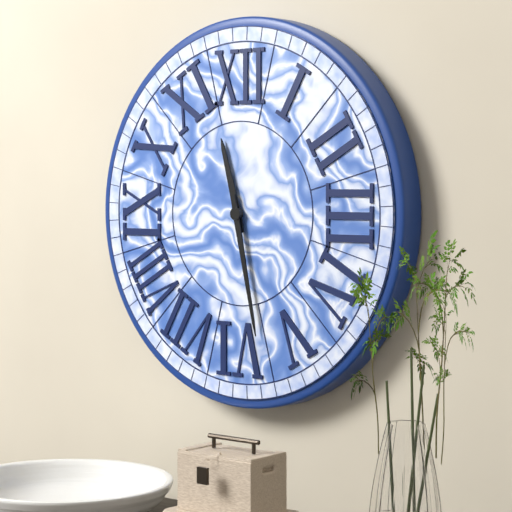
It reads 11h28
